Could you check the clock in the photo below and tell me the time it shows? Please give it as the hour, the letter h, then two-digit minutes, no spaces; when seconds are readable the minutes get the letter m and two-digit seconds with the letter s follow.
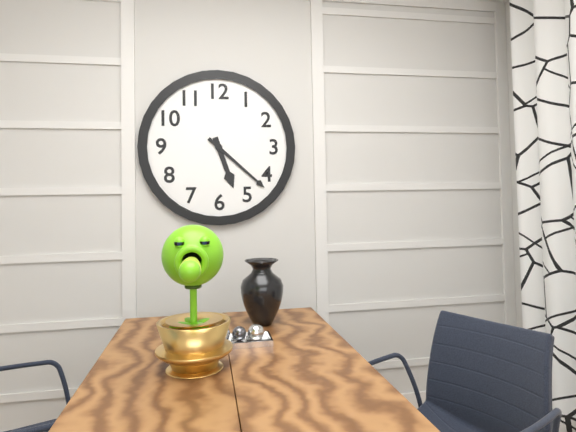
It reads 5h22
